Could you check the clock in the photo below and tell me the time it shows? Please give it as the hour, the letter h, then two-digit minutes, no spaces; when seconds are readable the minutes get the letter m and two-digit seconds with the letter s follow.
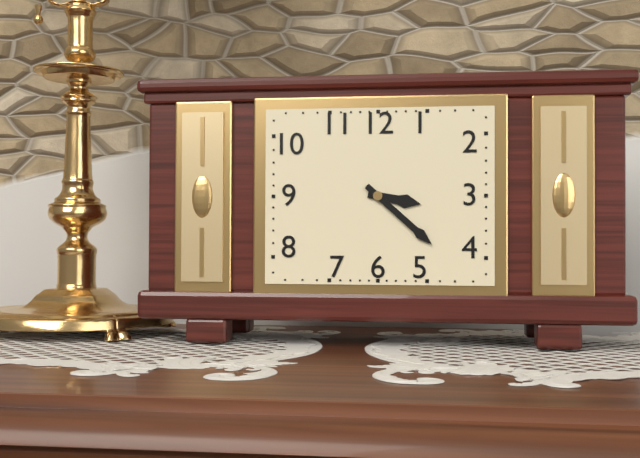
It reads 3h22
